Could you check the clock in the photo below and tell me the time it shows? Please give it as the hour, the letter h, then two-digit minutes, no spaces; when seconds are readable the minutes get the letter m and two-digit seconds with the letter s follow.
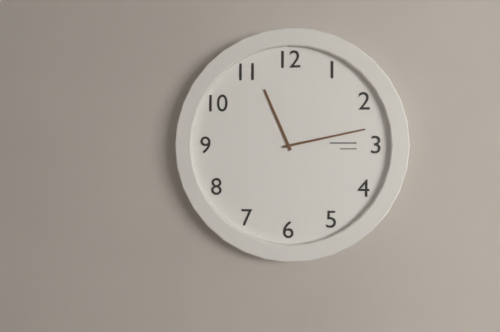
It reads 11h13
